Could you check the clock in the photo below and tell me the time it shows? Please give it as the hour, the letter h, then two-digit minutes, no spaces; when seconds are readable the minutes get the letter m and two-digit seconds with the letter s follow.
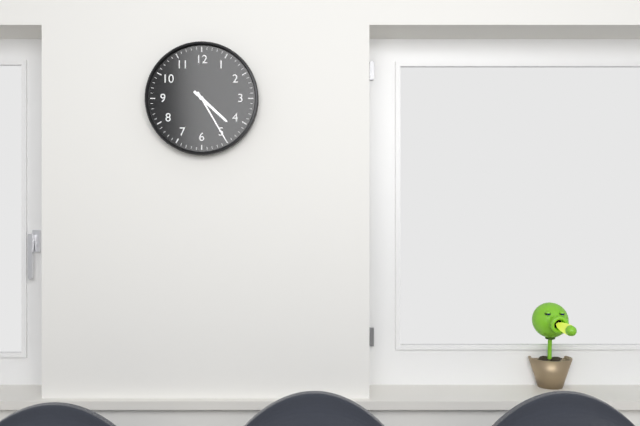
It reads 4h25
